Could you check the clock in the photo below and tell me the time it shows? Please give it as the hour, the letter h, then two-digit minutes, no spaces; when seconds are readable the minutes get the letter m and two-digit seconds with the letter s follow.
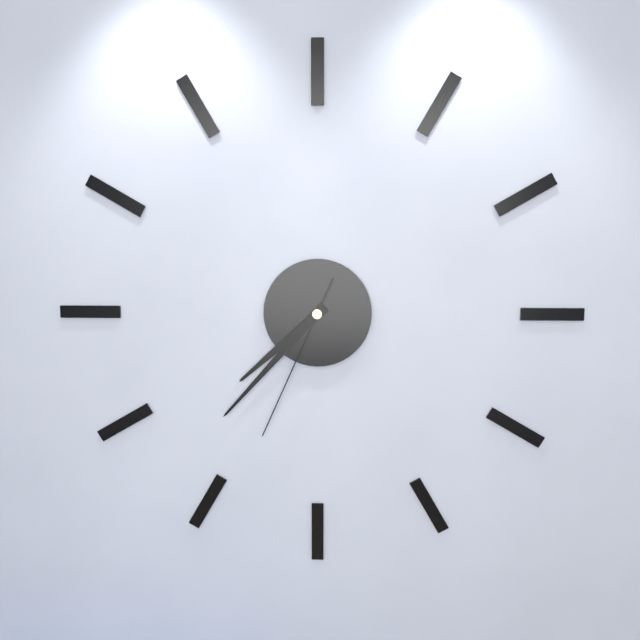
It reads 7h37m34s
